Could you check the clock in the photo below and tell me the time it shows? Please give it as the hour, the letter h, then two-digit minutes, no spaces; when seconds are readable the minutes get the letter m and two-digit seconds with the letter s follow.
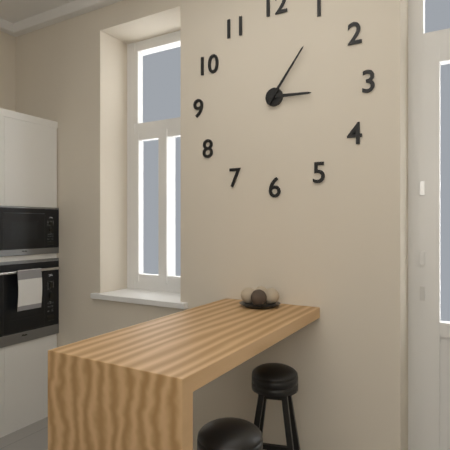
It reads 3h06
